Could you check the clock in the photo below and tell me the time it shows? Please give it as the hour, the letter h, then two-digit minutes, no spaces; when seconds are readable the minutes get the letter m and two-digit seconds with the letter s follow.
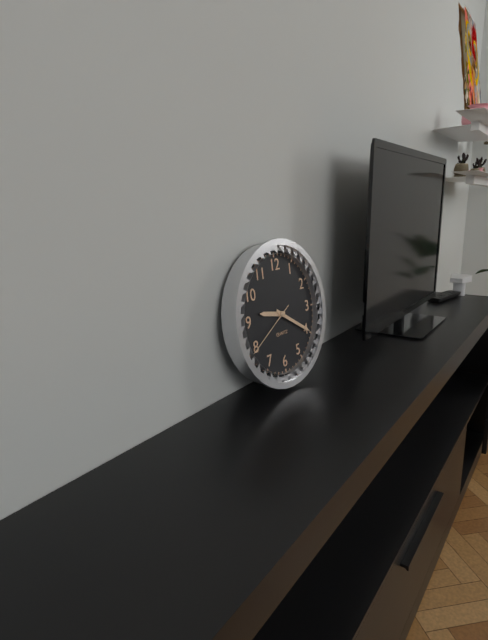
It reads 9h20m40s
